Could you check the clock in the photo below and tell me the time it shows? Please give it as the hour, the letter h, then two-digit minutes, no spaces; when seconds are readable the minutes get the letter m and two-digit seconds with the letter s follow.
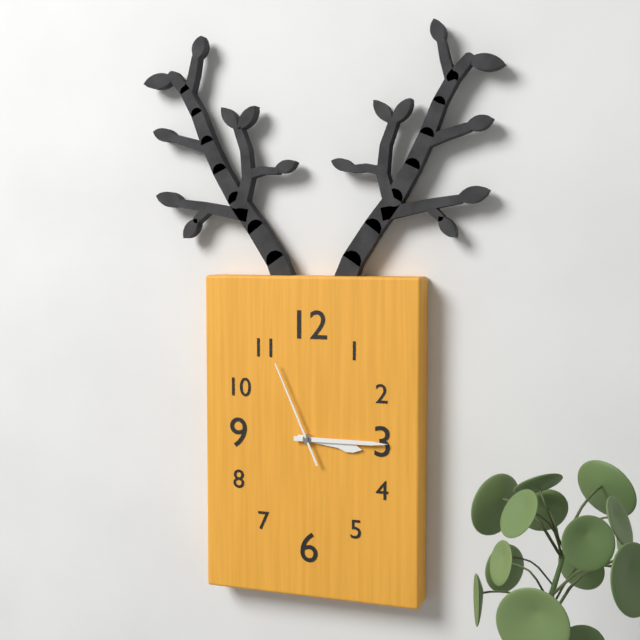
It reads 3h15m56s
